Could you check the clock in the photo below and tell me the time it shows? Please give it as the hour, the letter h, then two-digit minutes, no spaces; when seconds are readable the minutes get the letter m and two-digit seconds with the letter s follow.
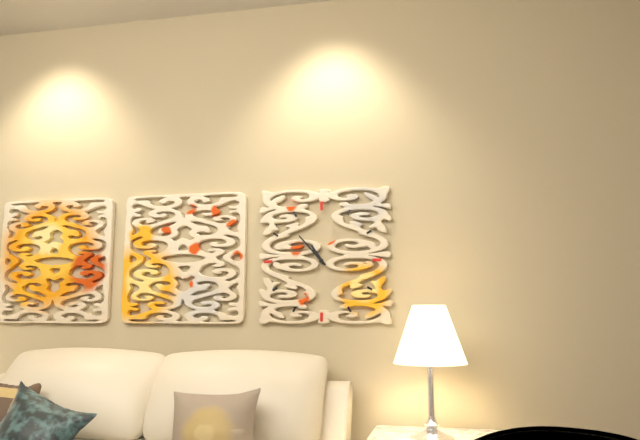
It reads 10h53
